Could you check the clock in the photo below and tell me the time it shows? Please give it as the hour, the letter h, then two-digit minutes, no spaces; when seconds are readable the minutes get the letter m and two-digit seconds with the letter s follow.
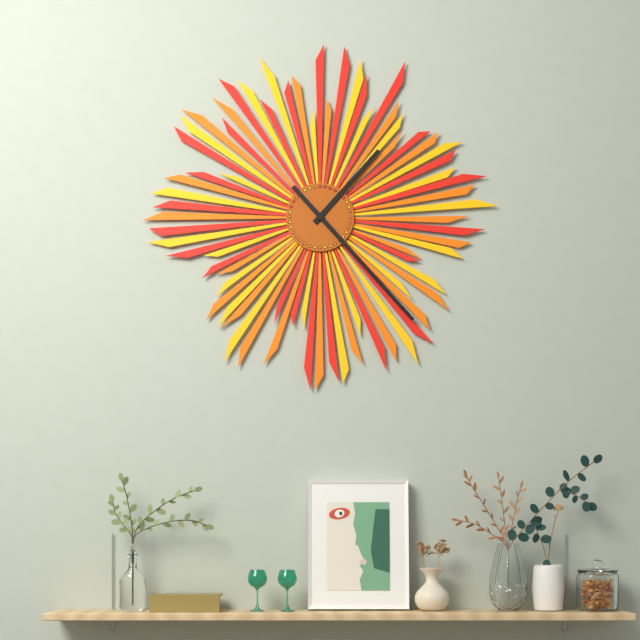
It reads 1h23
